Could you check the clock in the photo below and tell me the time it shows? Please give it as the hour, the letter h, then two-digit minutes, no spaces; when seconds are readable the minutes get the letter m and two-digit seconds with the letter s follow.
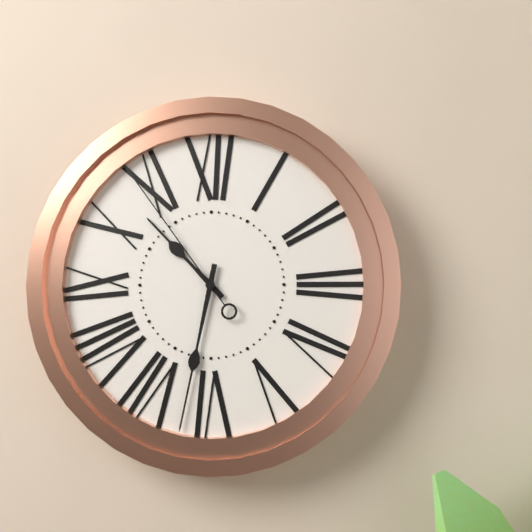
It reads 10h32m54s
